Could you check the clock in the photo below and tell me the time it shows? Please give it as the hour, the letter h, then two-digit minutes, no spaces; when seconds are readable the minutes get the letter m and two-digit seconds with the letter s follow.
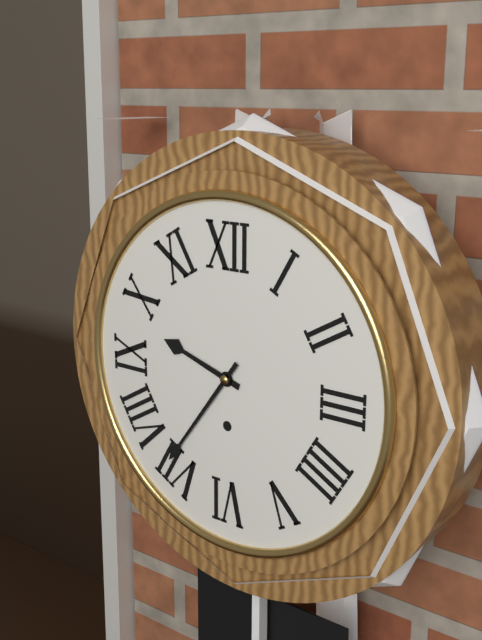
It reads 9h36
